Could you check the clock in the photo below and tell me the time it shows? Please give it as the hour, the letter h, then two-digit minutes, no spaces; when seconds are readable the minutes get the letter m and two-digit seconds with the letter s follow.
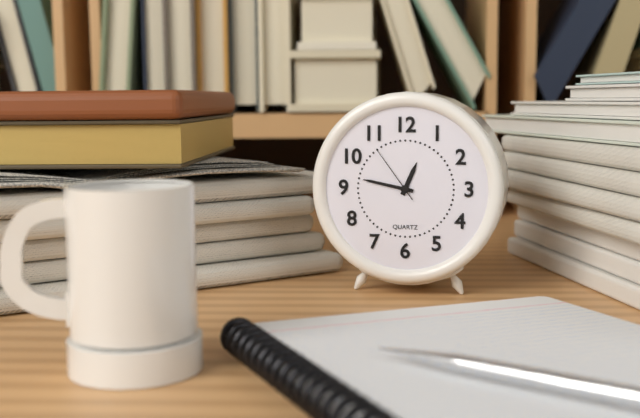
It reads 12h47m54s
